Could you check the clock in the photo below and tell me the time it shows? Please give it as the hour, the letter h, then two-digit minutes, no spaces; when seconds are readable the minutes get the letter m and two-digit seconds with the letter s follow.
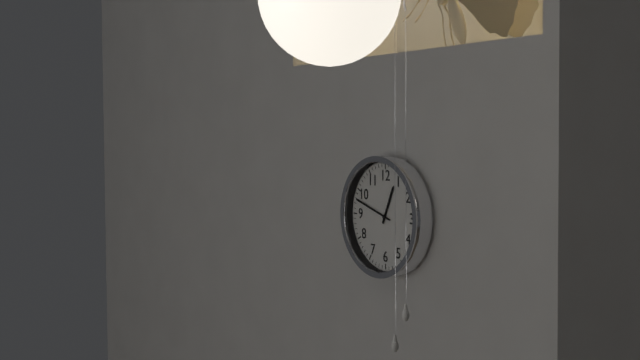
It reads 12h48
